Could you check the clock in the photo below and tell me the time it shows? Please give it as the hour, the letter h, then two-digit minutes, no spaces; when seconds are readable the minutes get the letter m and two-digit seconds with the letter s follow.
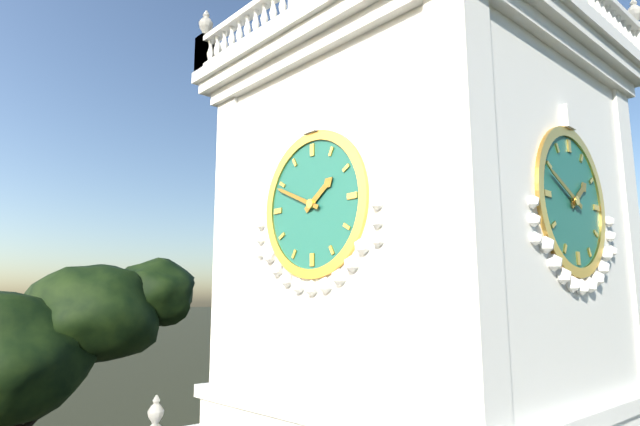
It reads 1h49
